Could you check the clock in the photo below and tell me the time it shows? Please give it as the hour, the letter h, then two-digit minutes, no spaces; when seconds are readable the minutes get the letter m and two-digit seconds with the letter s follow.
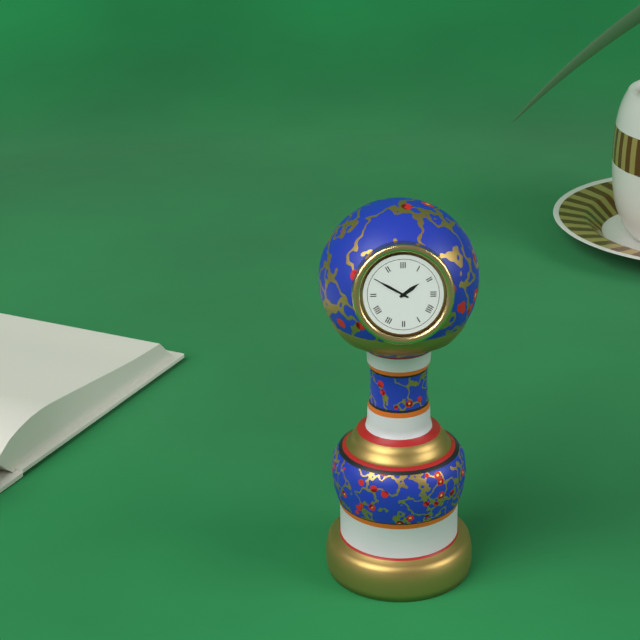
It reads 1h50
